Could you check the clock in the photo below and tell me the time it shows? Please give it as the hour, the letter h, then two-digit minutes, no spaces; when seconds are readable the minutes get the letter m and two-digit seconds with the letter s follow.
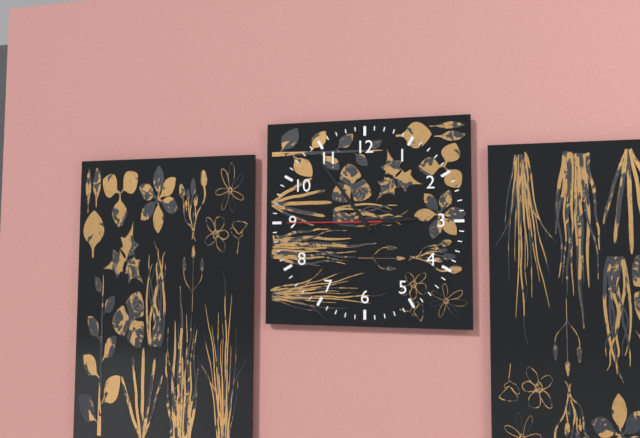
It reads 2h54m45s
